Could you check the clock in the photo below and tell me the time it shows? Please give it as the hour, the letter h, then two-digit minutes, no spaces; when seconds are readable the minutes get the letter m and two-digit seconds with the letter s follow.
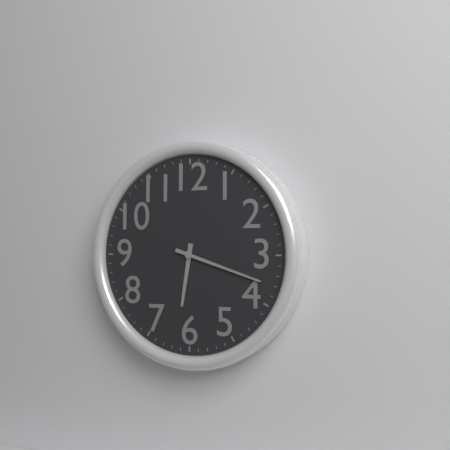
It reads 6h18
